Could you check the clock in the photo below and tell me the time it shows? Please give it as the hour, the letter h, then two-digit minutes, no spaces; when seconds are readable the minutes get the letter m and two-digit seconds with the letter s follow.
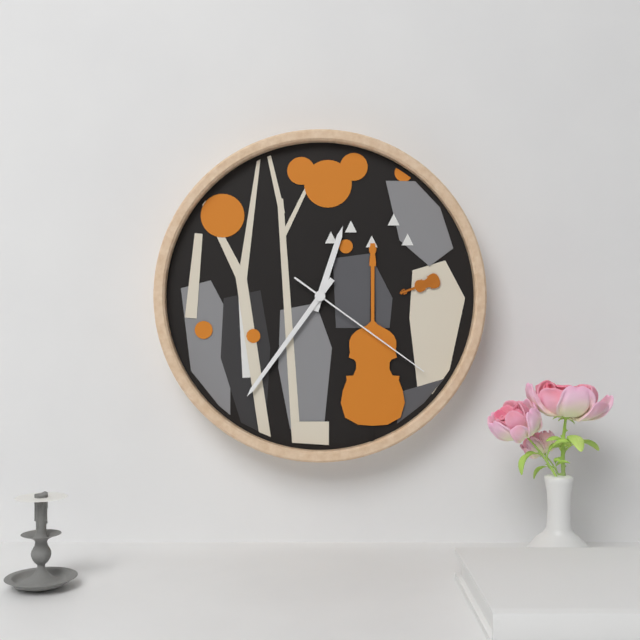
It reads 12h36m21s
